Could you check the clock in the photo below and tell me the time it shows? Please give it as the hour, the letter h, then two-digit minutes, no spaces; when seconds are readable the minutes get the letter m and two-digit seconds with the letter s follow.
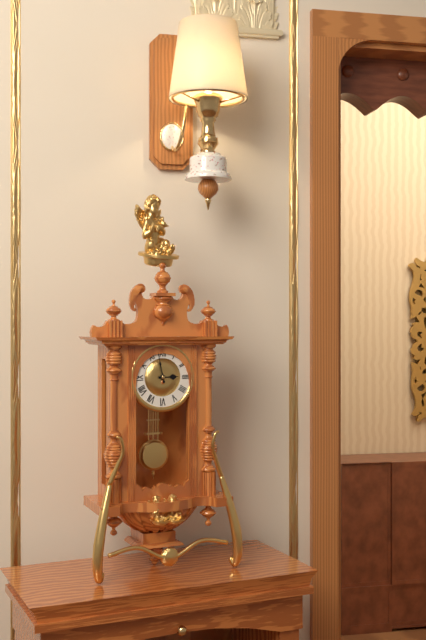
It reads 2h58
